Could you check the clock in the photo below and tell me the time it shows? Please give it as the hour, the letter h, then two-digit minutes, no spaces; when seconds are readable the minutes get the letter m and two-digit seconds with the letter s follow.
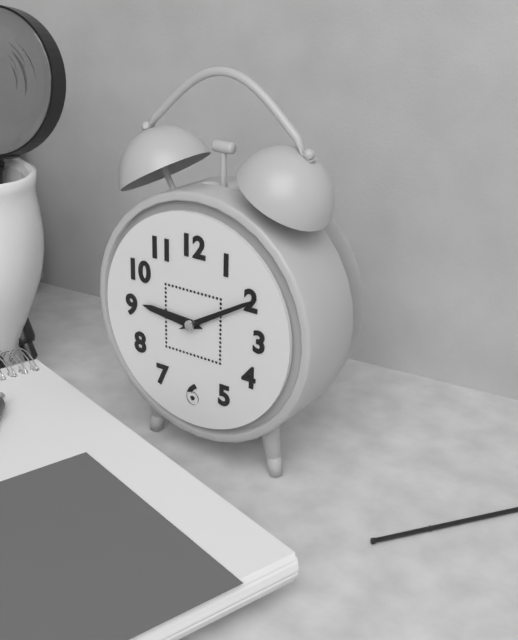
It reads 9h10
